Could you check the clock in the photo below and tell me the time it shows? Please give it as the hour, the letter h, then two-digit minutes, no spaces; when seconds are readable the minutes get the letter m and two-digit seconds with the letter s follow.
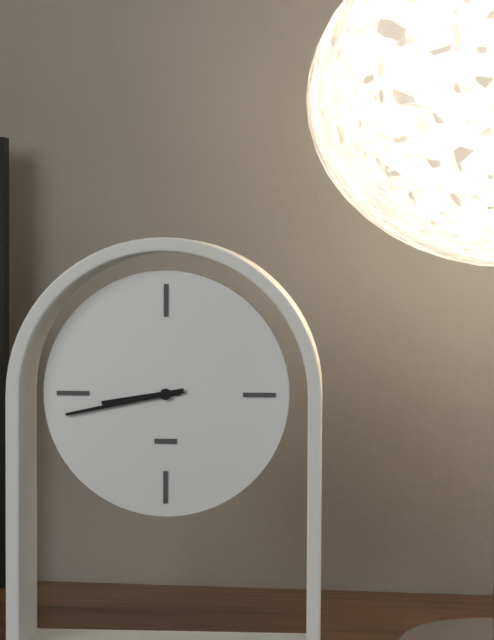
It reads 8h43
